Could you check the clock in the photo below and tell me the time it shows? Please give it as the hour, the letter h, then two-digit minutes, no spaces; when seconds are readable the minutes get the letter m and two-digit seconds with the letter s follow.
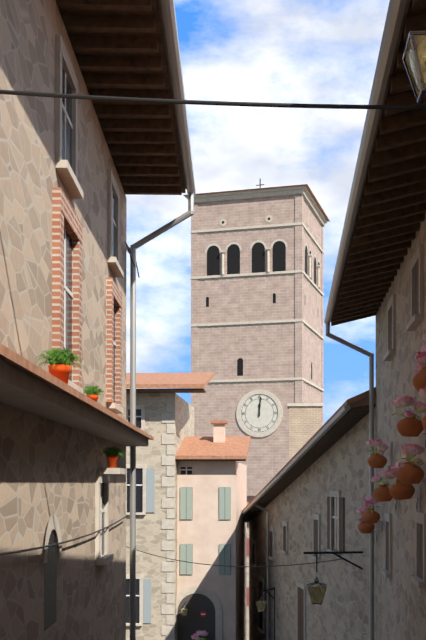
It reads 12h01
